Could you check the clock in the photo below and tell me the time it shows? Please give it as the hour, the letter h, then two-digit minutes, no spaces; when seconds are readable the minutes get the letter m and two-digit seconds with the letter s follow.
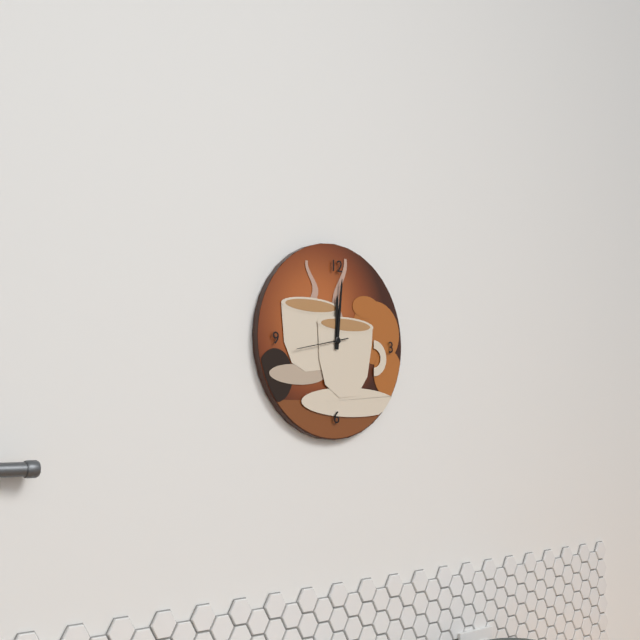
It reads 12h01m43s
